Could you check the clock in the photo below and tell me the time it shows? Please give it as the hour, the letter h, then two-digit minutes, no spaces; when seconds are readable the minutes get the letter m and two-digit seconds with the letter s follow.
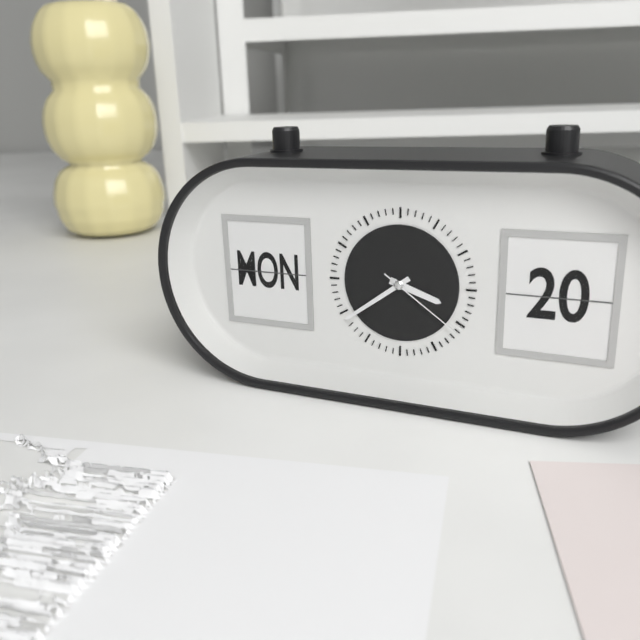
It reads 3h39m21s
